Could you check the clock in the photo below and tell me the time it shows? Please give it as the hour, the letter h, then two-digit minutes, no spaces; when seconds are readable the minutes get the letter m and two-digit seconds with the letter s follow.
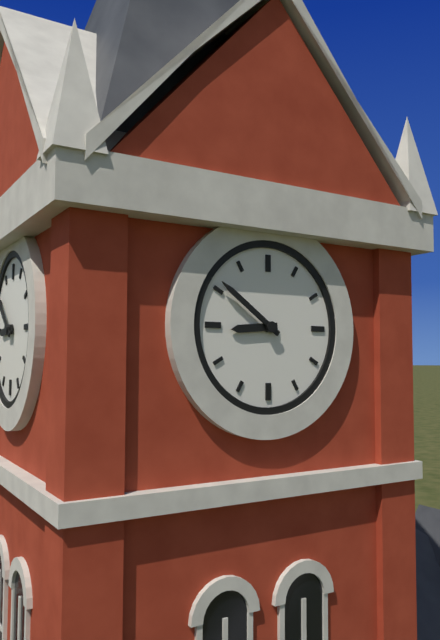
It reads 8h51
